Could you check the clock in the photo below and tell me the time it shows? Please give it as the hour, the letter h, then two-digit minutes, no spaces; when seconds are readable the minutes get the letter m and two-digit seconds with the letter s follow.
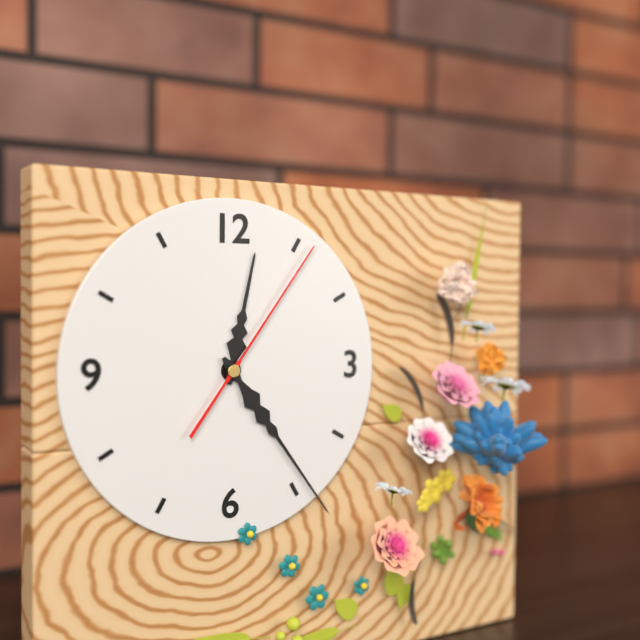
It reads 12h24m06s
